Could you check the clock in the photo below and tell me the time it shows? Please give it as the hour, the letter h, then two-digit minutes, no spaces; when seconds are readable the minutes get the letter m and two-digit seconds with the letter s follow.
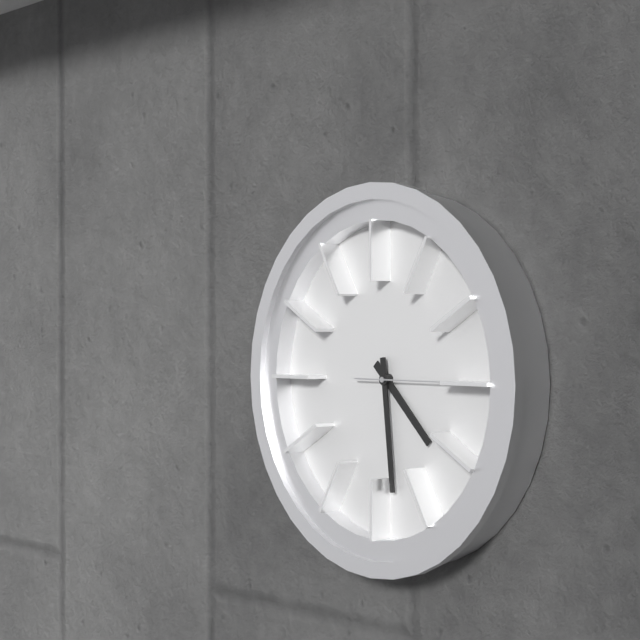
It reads 4h29
